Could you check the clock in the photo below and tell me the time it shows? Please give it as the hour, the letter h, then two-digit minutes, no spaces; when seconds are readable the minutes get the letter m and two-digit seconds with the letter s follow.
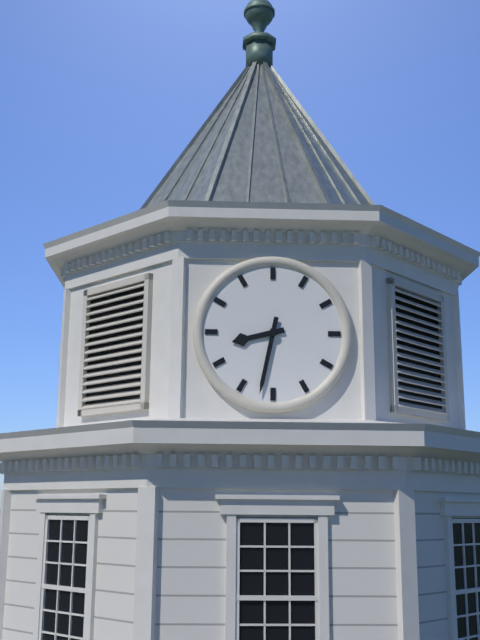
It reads 8h32
